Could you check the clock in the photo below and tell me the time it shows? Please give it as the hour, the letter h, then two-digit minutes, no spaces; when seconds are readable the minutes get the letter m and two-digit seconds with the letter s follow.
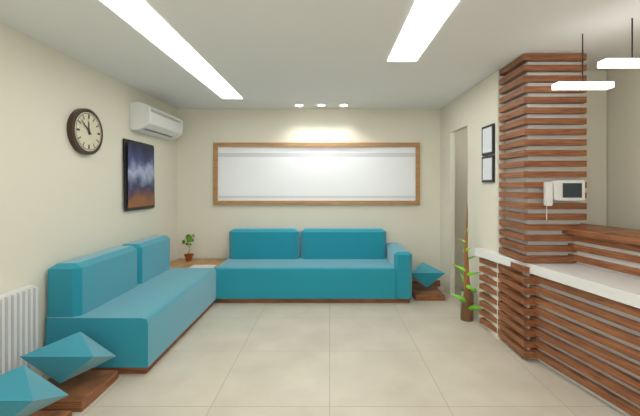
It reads 11h52
